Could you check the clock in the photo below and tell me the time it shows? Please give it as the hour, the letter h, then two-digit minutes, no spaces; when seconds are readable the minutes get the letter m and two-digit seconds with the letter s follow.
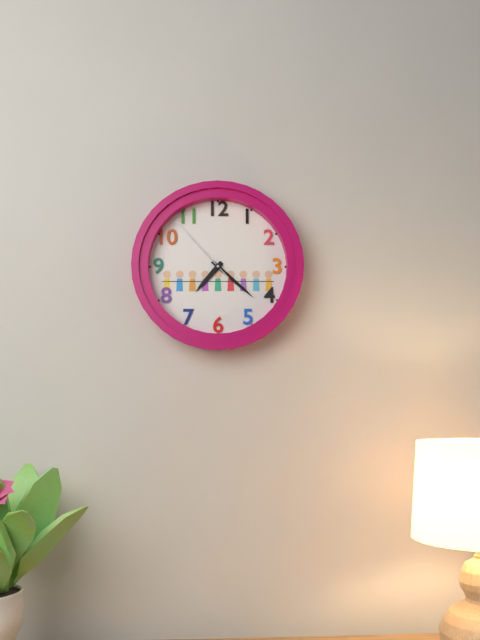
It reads 7h22m53s
